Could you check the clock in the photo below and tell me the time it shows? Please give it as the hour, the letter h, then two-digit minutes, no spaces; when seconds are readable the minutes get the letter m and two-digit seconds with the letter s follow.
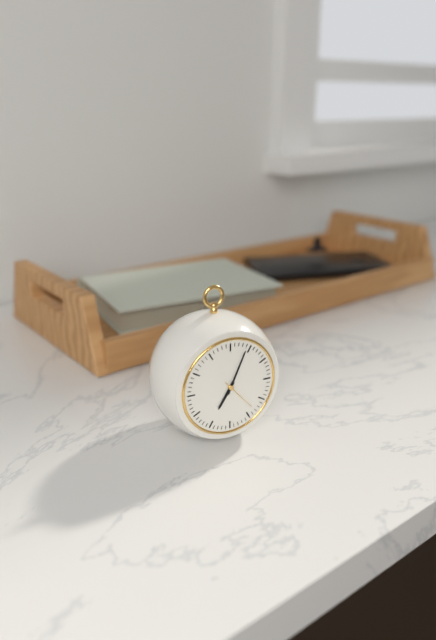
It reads 7h04
